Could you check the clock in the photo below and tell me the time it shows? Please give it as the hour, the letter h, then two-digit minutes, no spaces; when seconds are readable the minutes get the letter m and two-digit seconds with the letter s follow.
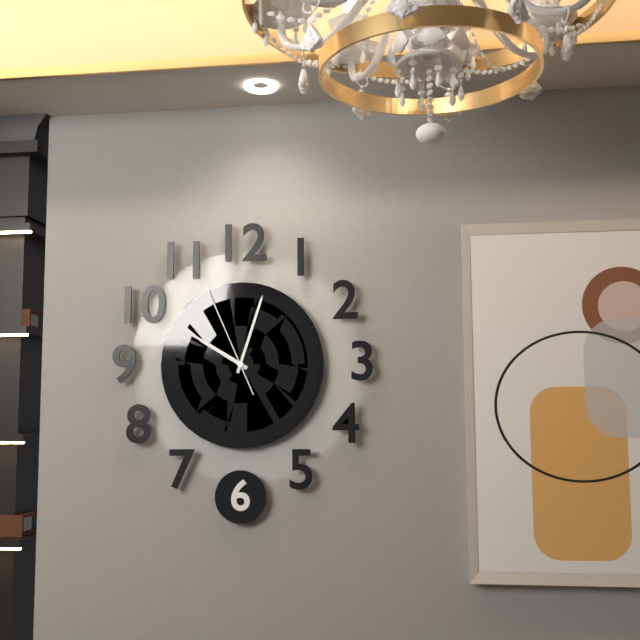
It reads 10h03m56s
